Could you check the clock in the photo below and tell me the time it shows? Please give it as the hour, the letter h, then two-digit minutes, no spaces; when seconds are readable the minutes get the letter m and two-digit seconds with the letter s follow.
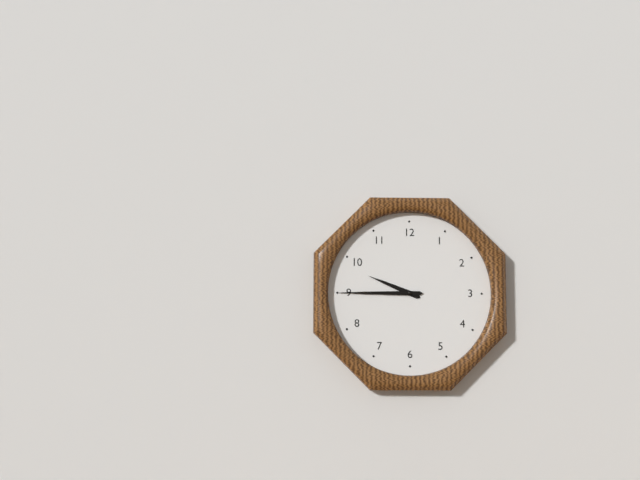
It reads 9h45
